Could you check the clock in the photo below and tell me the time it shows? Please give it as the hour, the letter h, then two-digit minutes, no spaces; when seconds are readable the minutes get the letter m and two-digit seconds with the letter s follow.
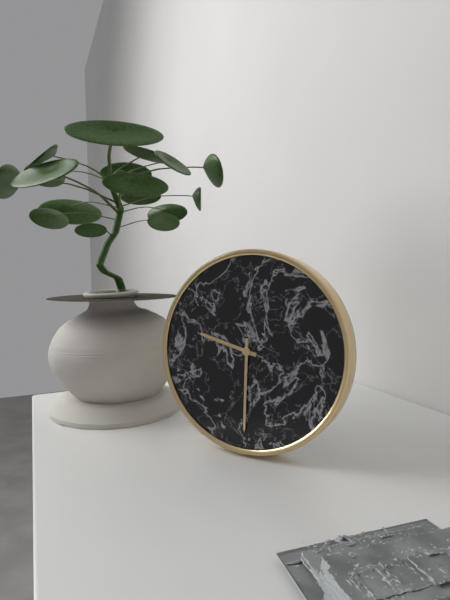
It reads 9h30
